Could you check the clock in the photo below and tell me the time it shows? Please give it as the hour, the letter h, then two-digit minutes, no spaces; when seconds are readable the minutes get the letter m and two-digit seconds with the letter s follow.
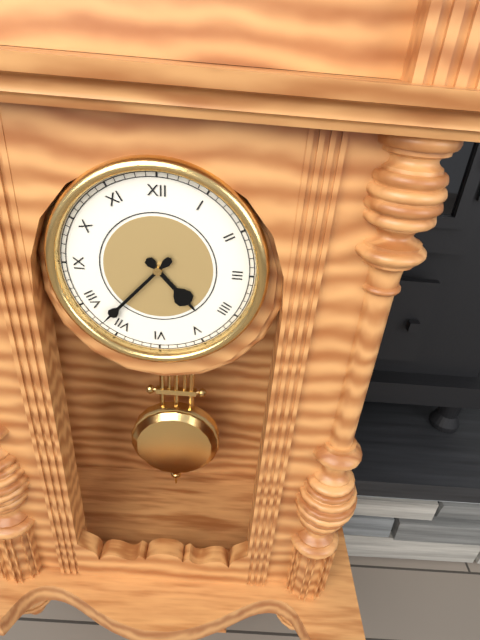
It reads 4h37
